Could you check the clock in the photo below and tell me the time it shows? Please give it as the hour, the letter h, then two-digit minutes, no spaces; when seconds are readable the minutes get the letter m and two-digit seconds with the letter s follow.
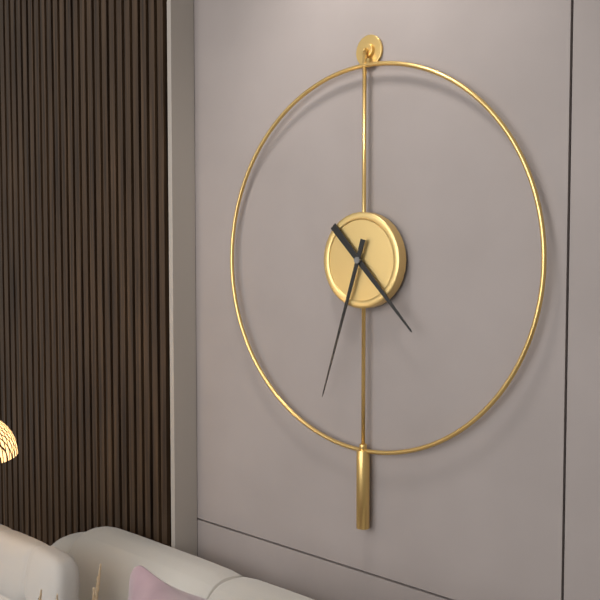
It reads 4h33
